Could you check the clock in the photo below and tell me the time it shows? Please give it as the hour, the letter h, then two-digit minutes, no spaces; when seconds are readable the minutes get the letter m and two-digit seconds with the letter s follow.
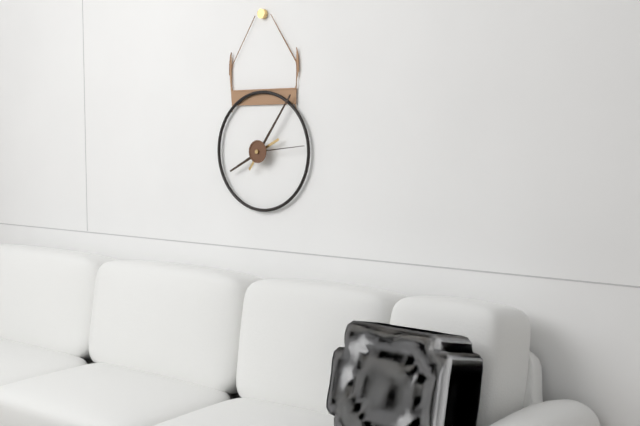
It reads 8h06m14s
